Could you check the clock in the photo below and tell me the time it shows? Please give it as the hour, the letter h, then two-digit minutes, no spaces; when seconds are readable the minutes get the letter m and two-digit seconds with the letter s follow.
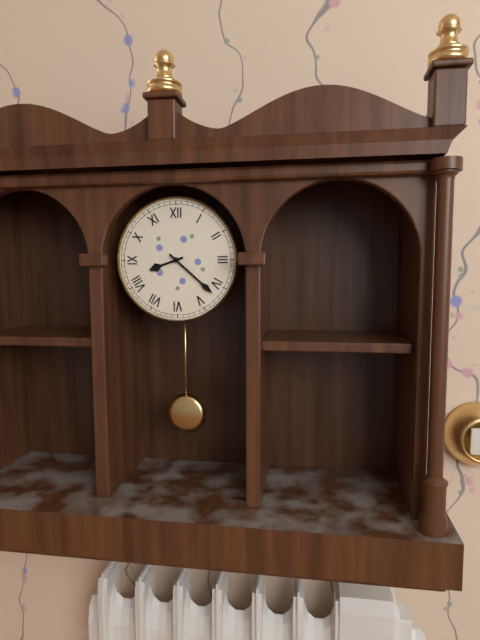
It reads 8h22
